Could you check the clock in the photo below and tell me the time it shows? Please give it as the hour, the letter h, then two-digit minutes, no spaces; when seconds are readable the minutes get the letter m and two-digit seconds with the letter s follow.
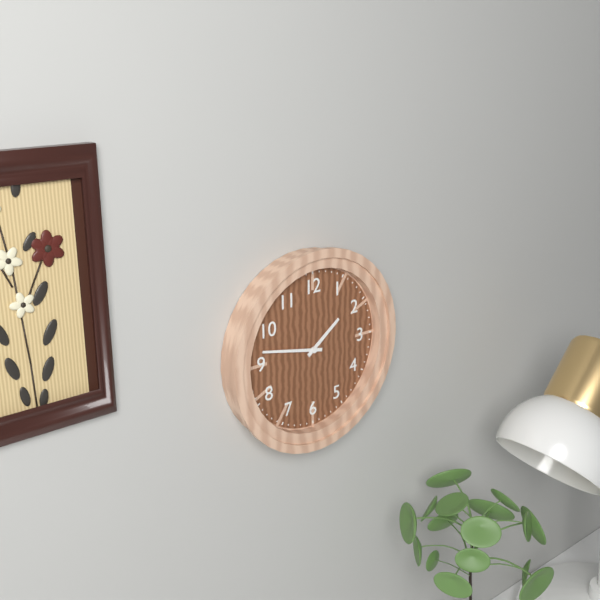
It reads 1h47
